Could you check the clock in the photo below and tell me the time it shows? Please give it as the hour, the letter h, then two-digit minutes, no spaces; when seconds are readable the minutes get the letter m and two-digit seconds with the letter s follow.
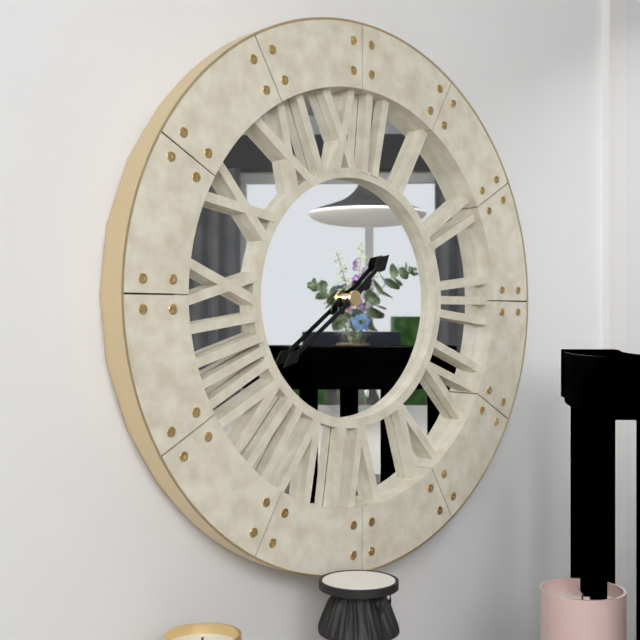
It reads 1h39
